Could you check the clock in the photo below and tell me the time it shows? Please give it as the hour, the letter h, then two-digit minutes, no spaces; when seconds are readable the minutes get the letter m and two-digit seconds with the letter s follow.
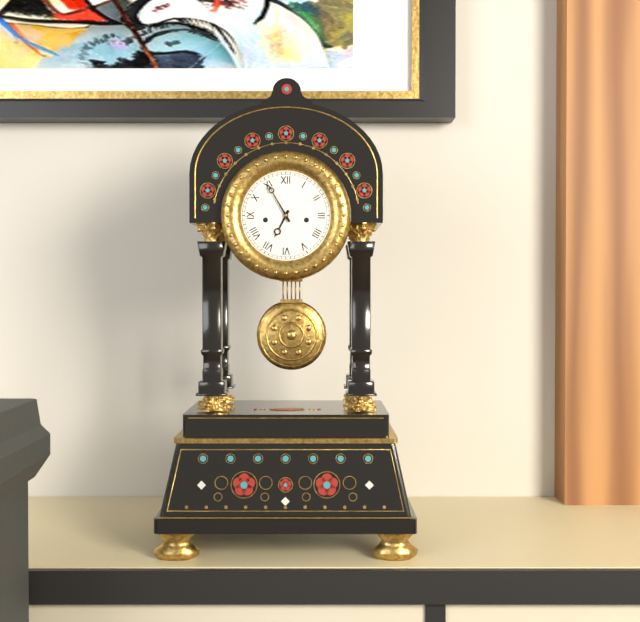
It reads 6h55
